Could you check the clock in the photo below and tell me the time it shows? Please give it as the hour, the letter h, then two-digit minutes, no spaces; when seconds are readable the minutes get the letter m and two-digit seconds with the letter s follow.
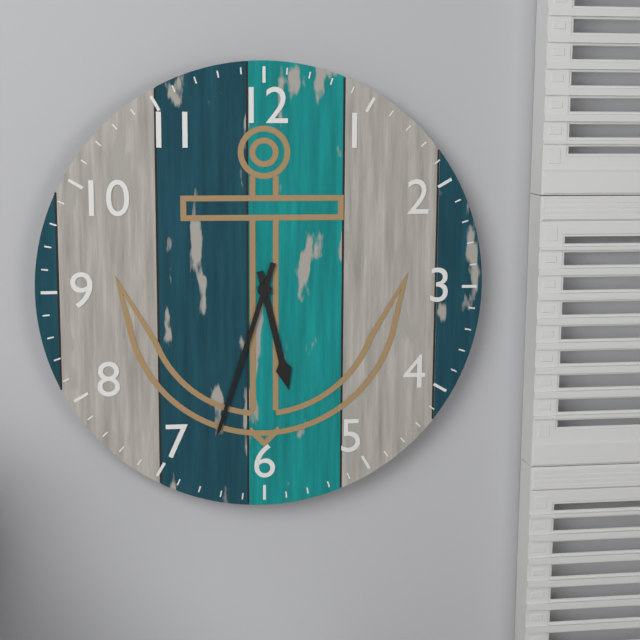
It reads 5h33
